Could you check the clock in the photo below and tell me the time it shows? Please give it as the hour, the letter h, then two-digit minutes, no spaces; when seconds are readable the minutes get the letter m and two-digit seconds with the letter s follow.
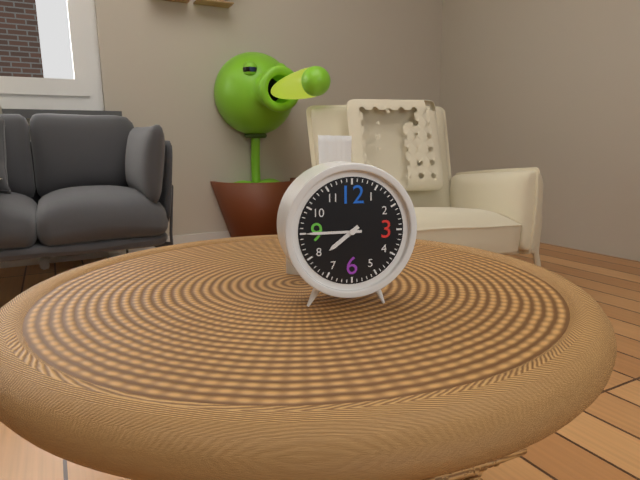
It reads 7h45
